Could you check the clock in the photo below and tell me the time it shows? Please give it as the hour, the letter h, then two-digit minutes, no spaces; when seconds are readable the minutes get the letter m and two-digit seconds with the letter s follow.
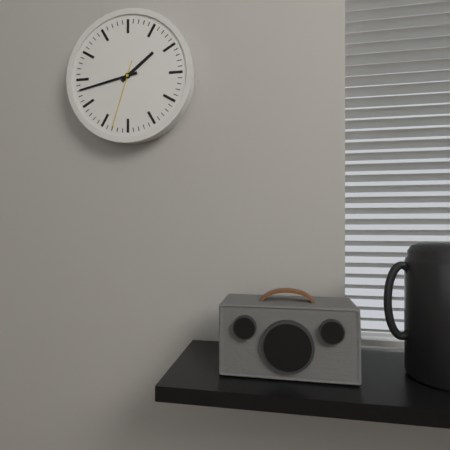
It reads 1h43m33s
